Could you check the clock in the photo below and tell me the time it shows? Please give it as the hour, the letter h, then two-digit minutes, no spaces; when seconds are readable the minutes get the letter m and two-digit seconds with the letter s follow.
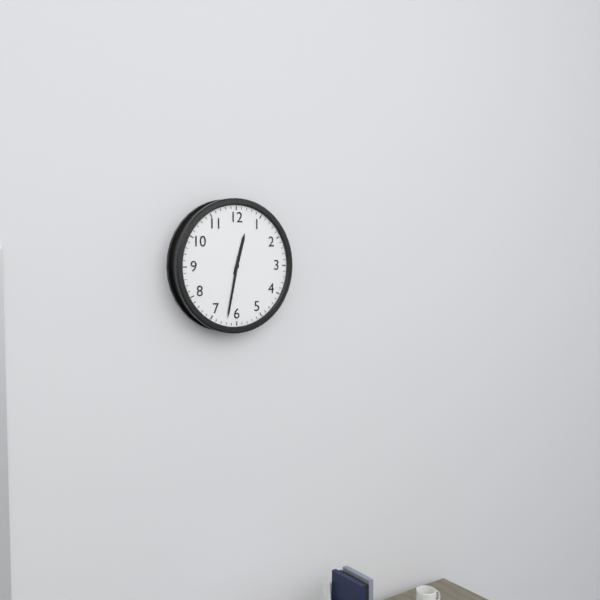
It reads 12h32
